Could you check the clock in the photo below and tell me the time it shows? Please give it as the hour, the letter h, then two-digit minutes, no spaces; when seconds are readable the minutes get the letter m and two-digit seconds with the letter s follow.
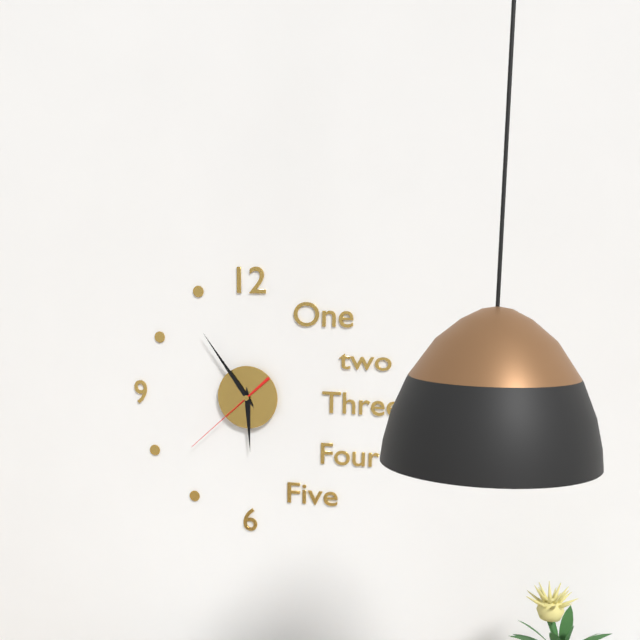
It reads 5h54m38s
